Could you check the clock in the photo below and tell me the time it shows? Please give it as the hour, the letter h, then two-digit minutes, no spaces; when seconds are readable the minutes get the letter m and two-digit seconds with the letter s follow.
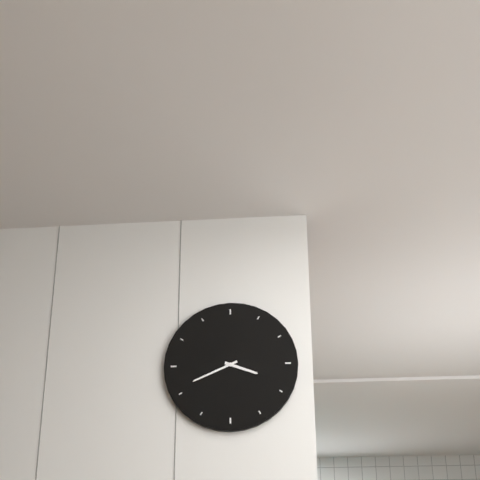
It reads 3h41
